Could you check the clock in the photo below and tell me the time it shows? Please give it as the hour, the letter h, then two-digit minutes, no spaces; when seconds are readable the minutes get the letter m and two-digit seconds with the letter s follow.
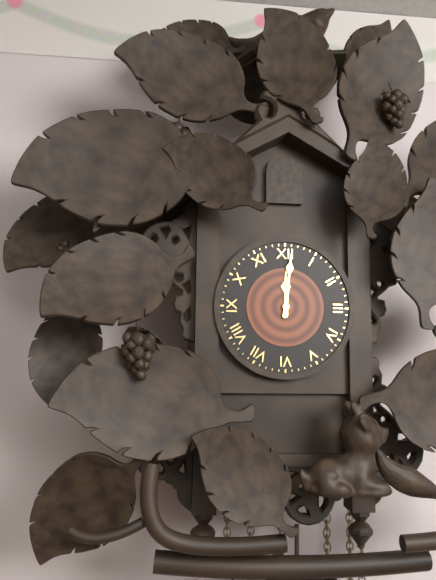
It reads 12h01
